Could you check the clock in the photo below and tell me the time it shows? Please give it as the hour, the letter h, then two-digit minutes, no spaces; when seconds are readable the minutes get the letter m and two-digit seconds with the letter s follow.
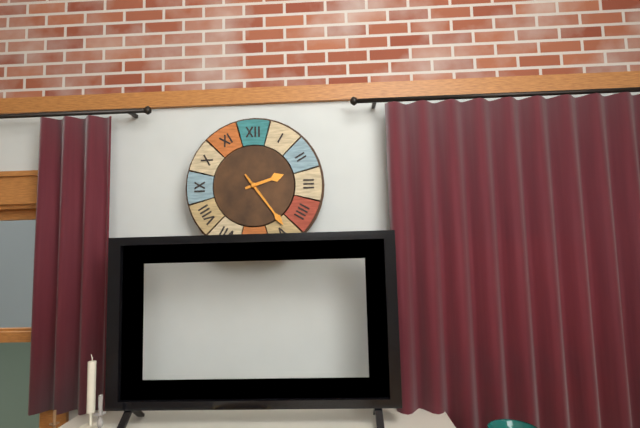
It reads 2h24
